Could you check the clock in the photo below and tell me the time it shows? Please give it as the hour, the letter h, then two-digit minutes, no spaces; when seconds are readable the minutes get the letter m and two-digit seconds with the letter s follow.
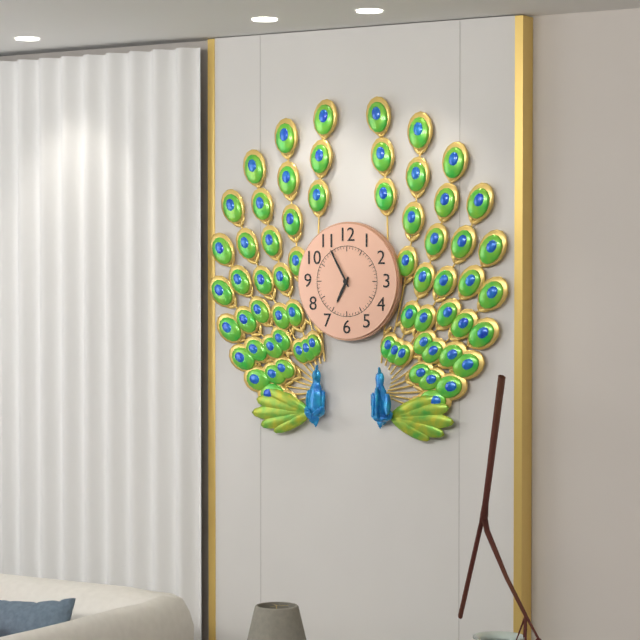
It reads 6h55
